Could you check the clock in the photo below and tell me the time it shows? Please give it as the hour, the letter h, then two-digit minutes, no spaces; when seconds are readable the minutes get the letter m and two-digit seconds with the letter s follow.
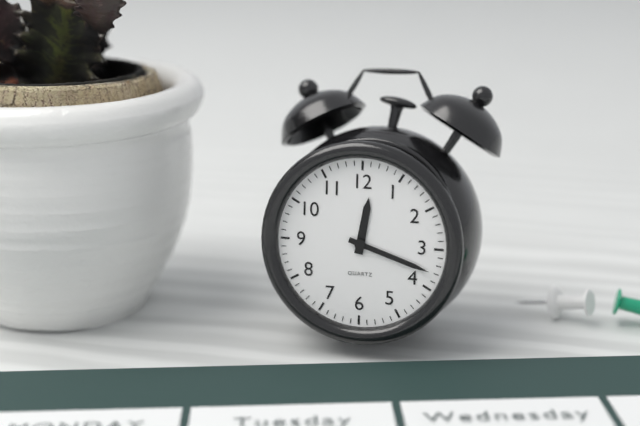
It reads 12h18
